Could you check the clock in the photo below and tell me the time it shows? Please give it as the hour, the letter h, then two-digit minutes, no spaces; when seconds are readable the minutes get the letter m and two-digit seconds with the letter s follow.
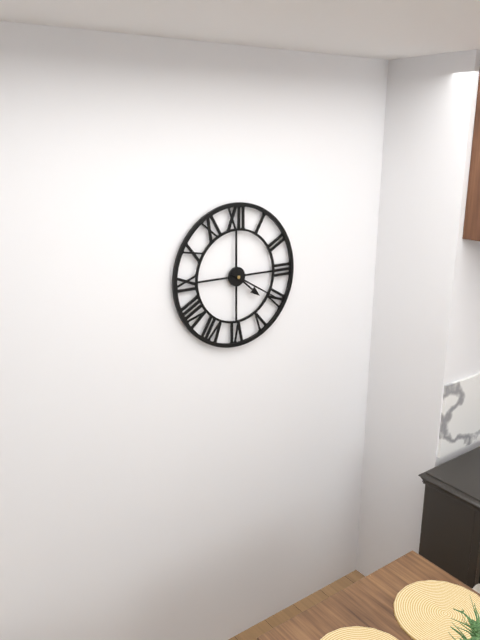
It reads 4h20
